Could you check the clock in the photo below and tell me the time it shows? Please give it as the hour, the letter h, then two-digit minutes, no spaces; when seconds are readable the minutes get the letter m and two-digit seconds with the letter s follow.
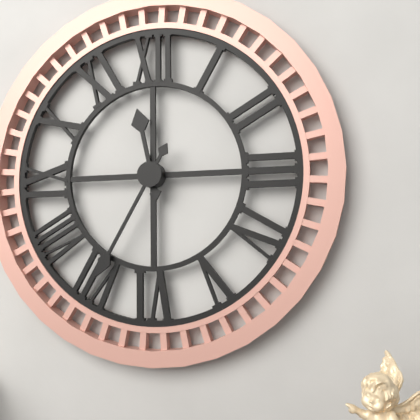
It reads 11h35
